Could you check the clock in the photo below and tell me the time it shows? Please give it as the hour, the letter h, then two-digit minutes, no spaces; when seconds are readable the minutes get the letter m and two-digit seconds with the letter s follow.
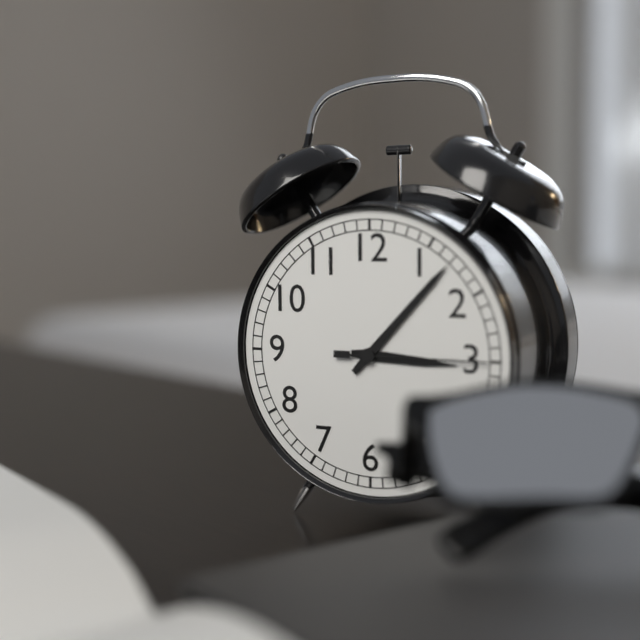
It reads 3h07m15s
